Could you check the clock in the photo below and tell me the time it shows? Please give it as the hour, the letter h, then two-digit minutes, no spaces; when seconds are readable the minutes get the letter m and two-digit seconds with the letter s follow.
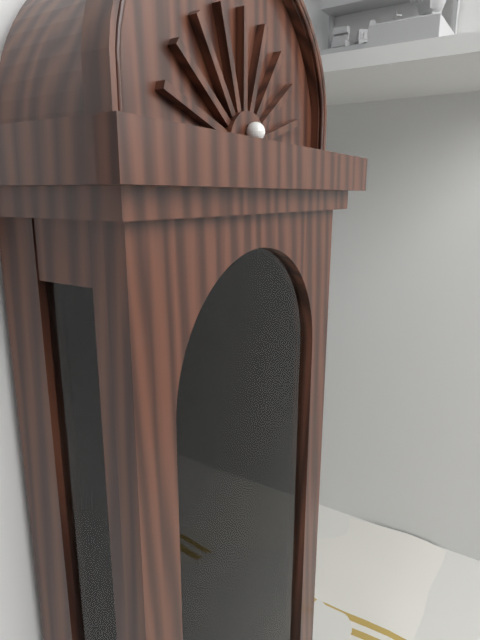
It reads 1h00
